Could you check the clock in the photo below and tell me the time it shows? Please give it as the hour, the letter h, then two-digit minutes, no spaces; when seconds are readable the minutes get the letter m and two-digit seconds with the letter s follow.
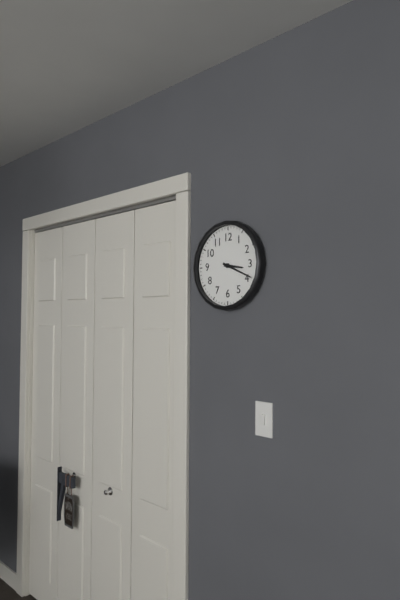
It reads 3h19
